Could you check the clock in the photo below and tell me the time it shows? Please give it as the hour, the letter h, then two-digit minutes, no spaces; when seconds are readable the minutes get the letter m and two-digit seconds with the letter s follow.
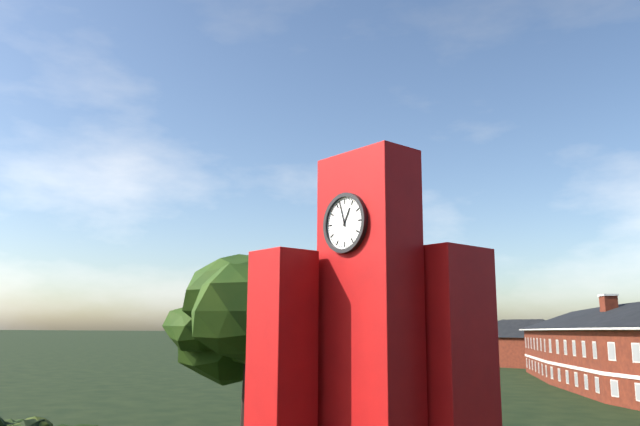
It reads 12h57
